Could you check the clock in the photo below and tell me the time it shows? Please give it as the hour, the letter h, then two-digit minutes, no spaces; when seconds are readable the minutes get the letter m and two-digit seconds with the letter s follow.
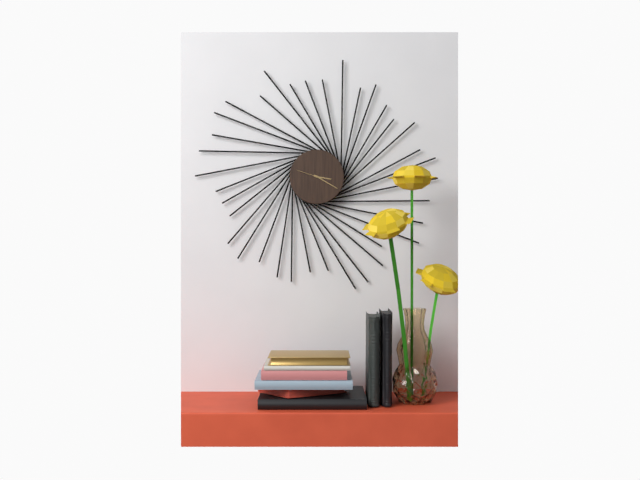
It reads 3h20
